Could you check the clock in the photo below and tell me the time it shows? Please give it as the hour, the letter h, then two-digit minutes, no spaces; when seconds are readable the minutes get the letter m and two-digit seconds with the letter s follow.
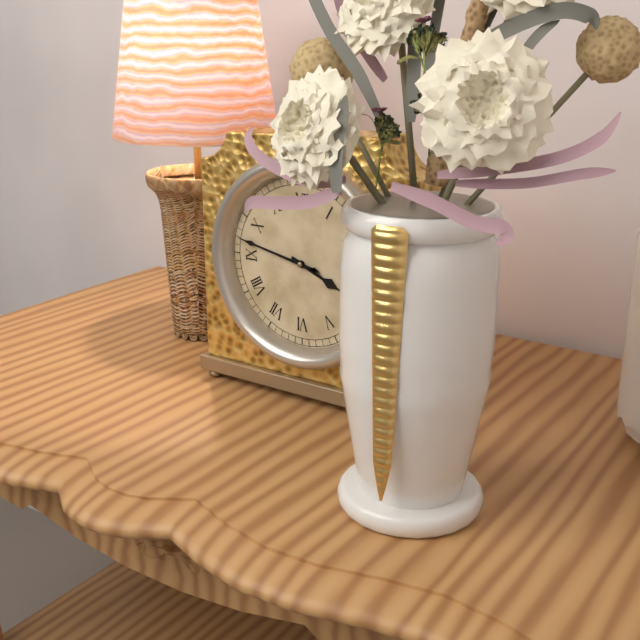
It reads 3h47
